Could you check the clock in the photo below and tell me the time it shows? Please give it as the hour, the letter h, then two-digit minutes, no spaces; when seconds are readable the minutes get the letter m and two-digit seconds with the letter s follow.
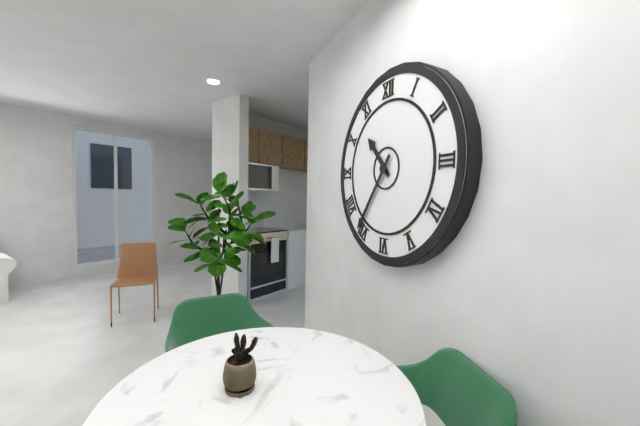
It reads 10h36
